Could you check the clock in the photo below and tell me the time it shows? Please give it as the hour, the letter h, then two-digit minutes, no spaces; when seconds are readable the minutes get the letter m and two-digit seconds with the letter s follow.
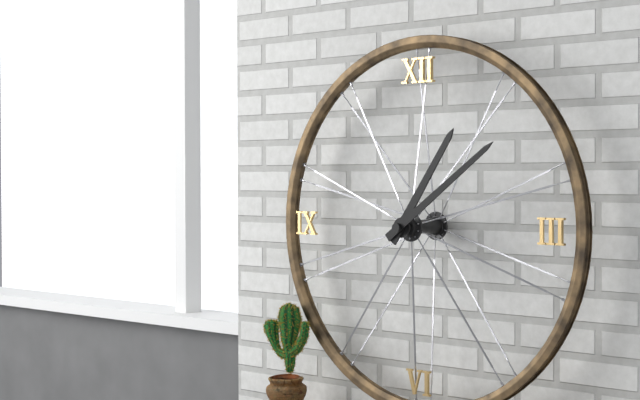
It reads 1h09
